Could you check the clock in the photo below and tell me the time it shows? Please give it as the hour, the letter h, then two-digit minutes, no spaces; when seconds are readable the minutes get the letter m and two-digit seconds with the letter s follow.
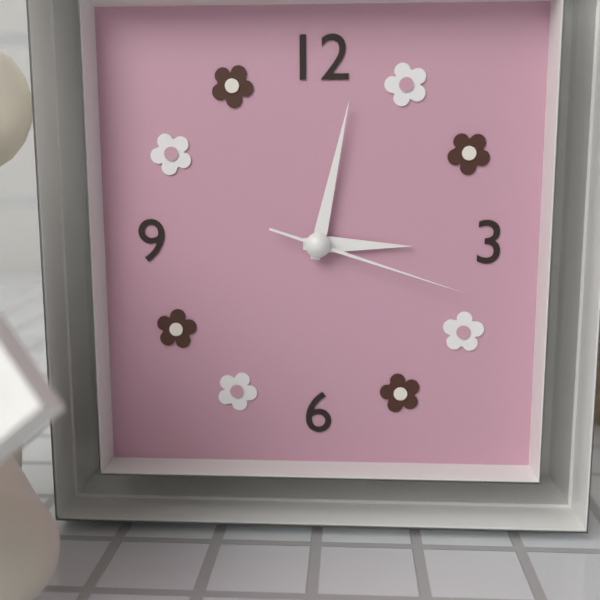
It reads 3h02m18s
